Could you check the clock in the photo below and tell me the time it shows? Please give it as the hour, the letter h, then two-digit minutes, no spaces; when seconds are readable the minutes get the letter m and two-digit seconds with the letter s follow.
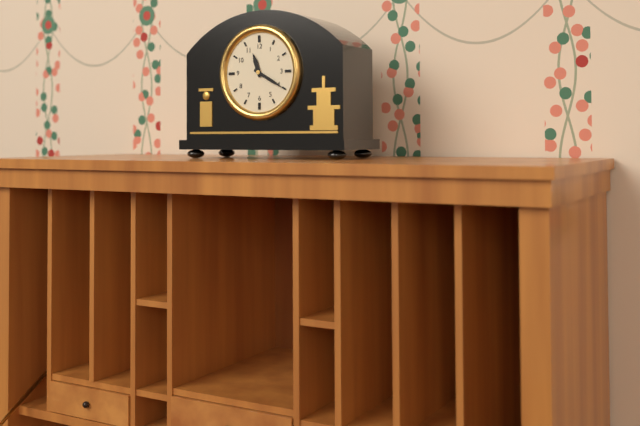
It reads 11h20
